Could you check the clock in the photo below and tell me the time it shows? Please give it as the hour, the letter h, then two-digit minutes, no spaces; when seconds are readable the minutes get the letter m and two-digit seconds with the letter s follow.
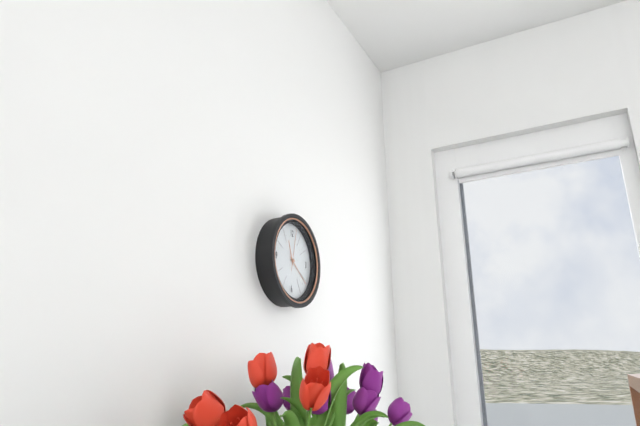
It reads 11h21
